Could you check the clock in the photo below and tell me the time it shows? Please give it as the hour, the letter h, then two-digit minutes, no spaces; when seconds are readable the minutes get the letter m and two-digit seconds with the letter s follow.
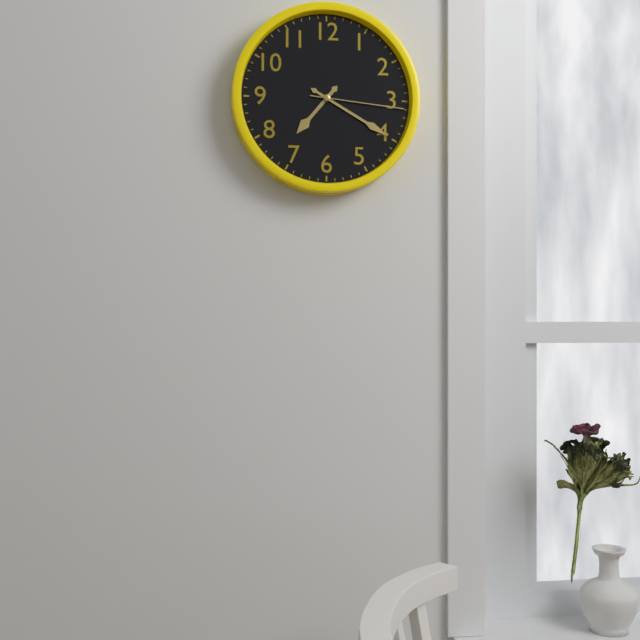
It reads 7h20m16s
